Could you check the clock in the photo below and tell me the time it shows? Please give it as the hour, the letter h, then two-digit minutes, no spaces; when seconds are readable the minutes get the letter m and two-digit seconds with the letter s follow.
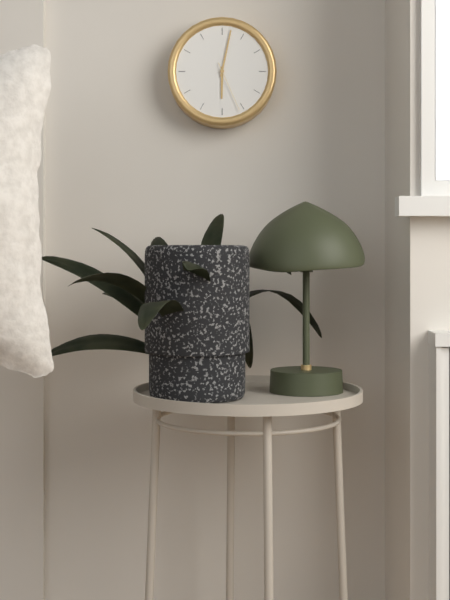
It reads 6h02m26s
